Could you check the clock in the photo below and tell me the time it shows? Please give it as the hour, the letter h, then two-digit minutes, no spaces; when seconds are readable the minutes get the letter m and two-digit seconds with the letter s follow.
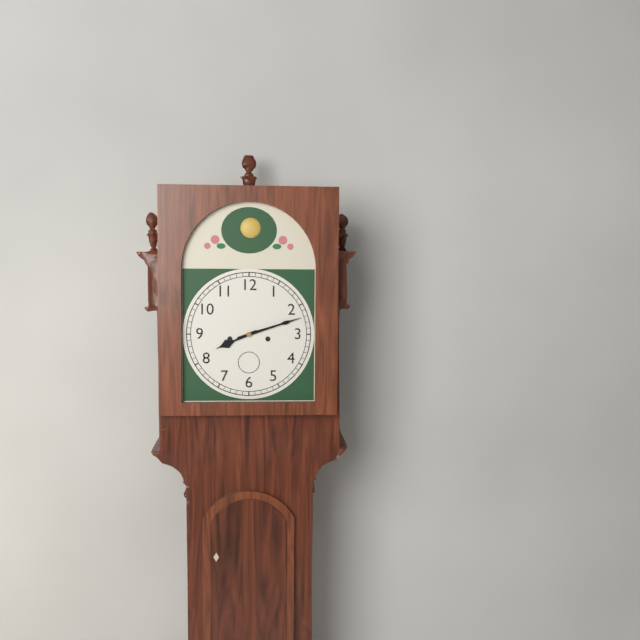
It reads 8h12
